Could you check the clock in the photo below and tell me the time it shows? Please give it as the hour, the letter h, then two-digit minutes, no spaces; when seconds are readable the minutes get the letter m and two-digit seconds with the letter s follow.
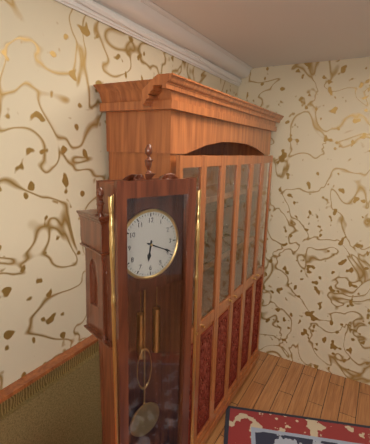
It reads 6h19
